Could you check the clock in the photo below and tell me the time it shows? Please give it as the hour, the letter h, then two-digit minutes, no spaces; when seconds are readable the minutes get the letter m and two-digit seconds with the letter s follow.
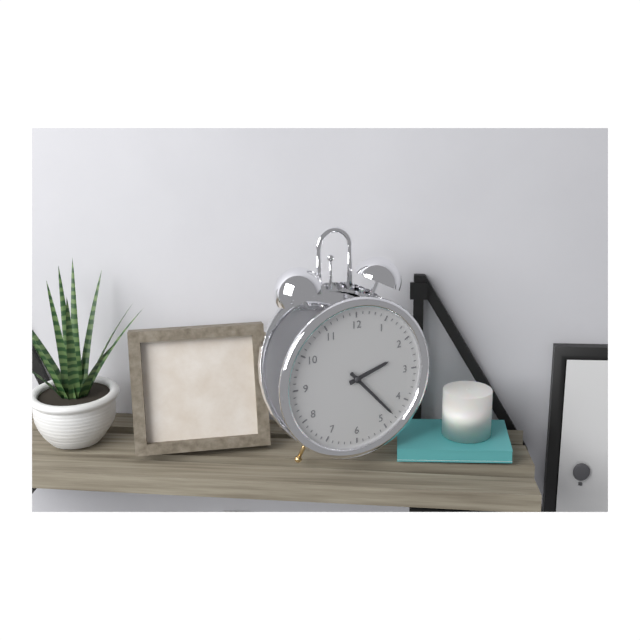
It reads 2h23
